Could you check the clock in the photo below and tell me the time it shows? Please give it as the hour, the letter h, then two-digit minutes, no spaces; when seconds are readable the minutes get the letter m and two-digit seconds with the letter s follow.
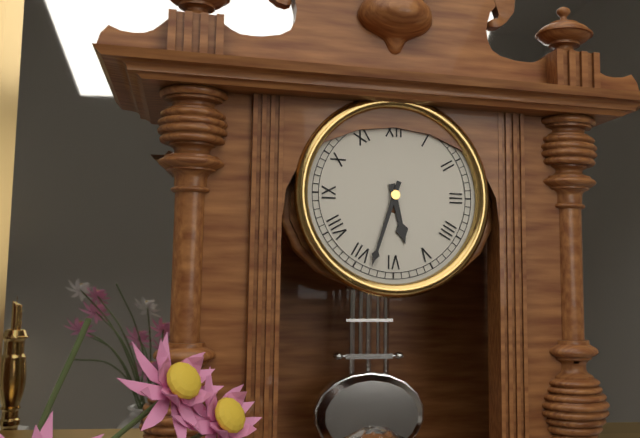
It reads 5h33
